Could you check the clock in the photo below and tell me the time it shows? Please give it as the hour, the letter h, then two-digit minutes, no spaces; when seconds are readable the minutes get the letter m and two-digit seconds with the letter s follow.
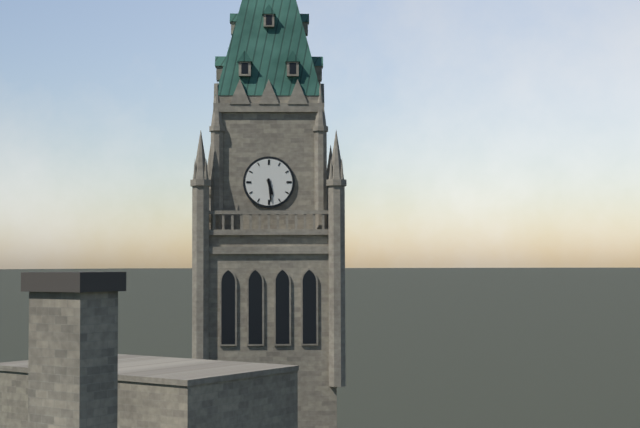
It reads 5h29
